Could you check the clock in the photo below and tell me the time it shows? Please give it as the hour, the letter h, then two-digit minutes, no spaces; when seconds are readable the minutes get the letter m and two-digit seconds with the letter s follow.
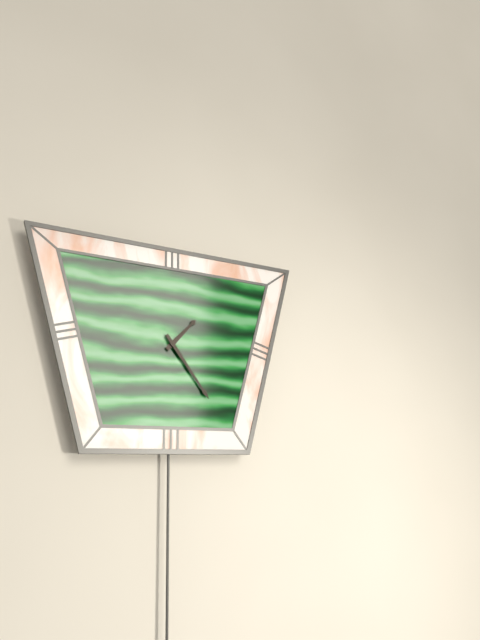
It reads 1h24
